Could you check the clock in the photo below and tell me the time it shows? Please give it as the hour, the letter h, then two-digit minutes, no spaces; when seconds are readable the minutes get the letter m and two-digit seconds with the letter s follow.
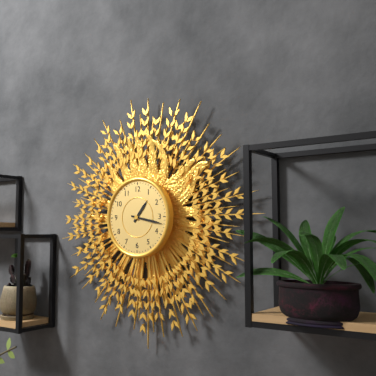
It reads 1h17
